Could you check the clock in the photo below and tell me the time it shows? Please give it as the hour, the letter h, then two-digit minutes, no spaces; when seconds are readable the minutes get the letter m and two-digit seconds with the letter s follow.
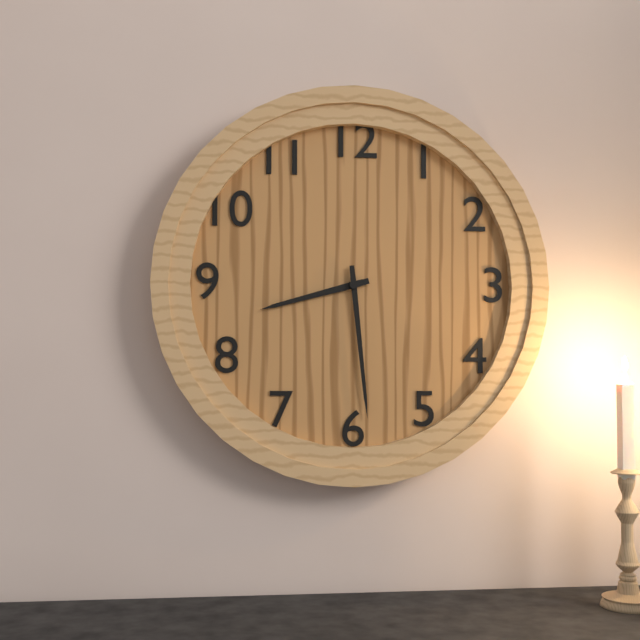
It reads 8h29
